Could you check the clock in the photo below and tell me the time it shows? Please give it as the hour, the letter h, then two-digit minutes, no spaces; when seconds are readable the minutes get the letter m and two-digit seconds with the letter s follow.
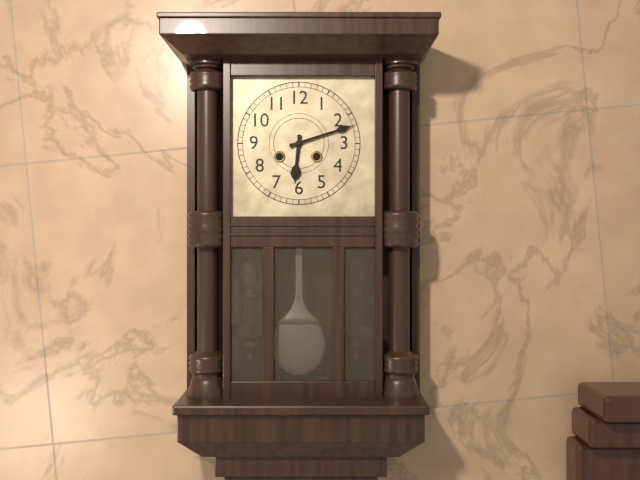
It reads 6h12
